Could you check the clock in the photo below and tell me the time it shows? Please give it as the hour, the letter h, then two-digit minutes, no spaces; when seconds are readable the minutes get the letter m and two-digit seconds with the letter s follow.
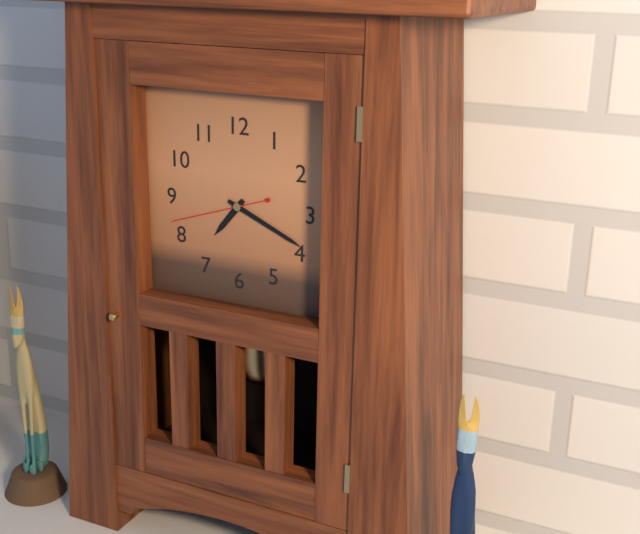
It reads 7h19m42s
